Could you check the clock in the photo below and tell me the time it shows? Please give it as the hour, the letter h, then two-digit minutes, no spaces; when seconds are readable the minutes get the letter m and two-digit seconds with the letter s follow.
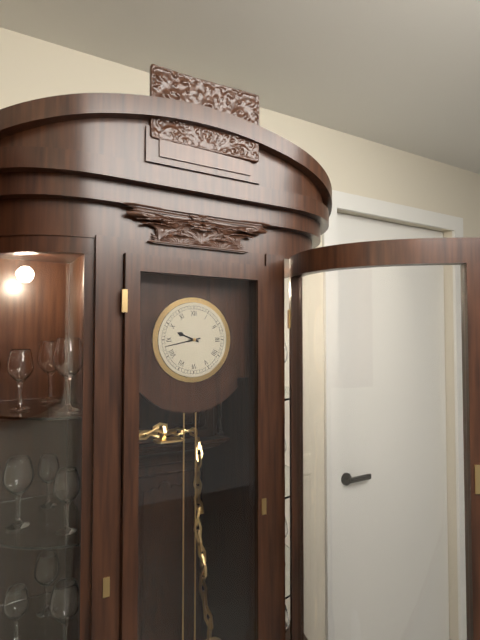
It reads 9h43
